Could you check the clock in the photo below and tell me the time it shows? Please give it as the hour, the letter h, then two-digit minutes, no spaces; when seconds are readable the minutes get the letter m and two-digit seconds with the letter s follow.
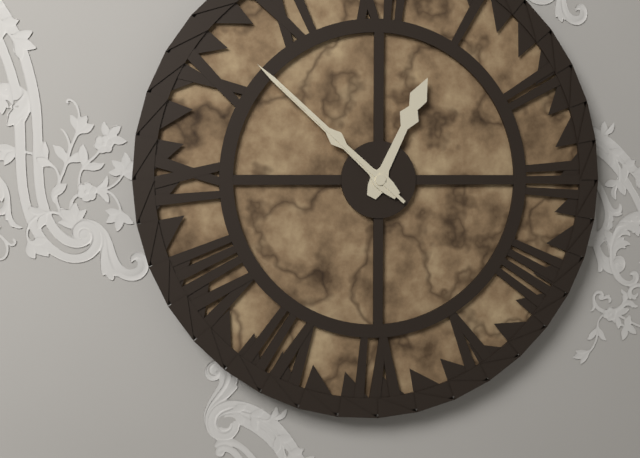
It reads 12h52m52s
